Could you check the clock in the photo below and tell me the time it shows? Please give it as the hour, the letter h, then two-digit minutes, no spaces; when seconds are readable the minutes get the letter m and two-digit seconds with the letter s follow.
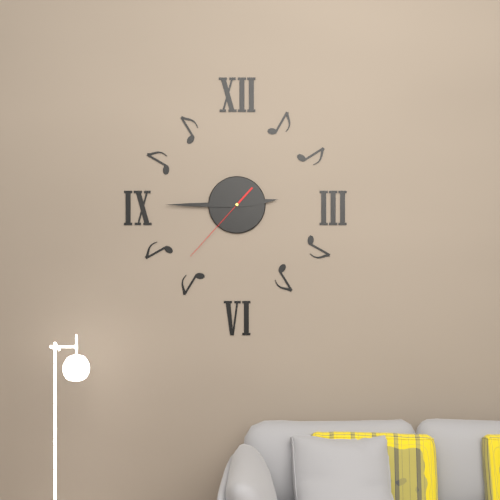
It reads 2h45m37s
